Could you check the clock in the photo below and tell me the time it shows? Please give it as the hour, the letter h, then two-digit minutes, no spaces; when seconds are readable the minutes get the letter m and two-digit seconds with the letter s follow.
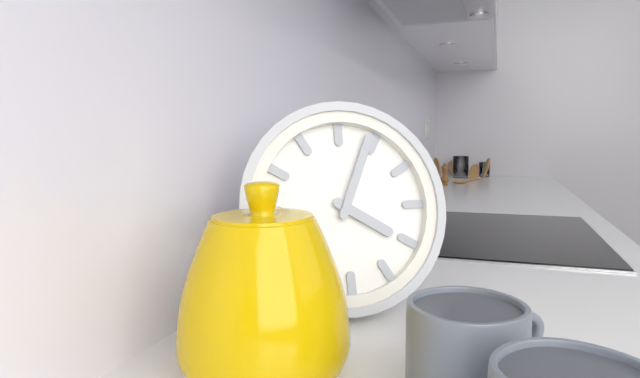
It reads 4h04
